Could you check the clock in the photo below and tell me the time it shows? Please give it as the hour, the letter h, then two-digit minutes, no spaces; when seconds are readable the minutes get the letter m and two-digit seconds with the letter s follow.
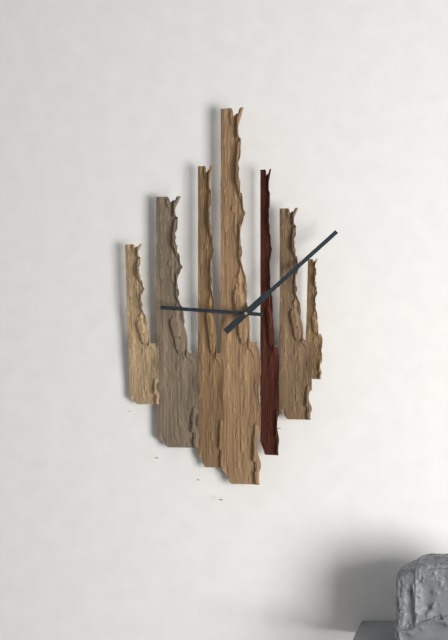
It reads 9h08
